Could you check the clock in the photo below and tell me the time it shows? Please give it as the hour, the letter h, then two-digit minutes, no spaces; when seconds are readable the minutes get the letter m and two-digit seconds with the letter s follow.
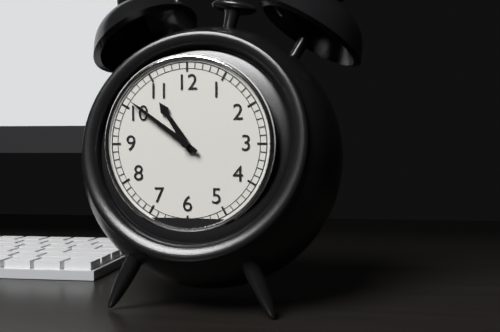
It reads 10h51
